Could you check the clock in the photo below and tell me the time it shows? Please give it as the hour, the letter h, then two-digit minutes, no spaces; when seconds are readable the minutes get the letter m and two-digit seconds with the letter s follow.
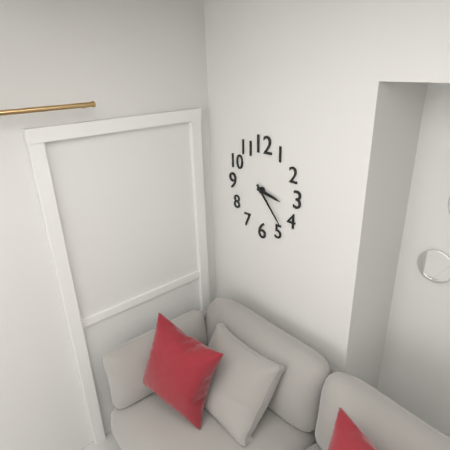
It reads 3h23
